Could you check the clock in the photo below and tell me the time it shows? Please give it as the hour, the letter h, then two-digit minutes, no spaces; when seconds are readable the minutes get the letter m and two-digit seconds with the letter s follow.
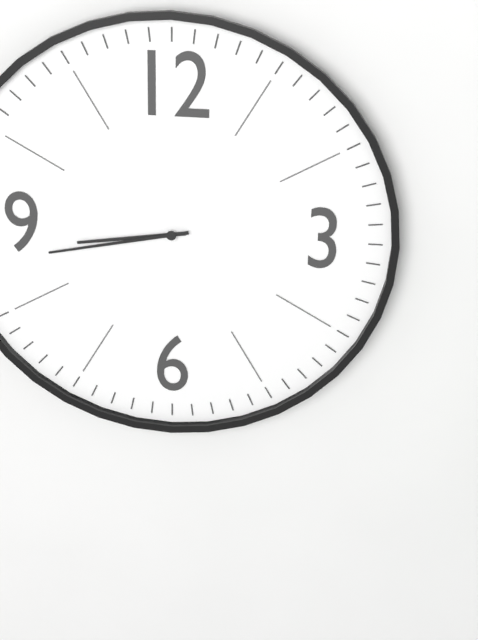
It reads 8h43
